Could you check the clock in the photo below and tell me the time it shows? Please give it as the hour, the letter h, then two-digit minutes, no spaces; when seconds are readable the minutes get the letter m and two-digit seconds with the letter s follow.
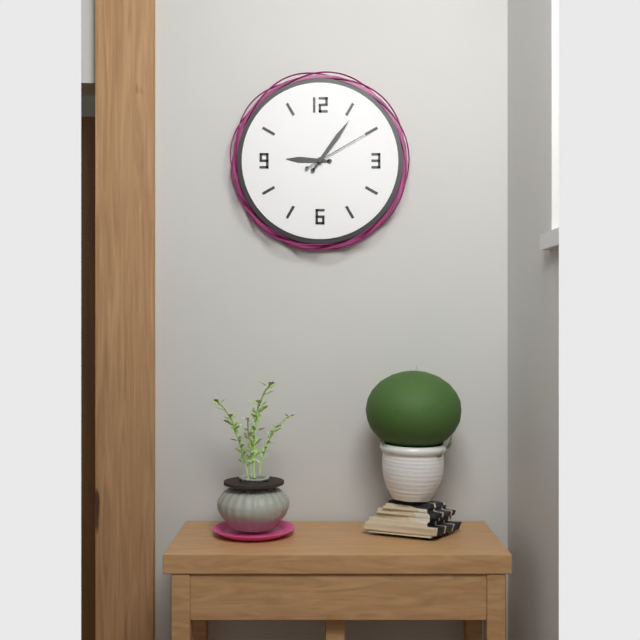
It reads 9h06m10s
